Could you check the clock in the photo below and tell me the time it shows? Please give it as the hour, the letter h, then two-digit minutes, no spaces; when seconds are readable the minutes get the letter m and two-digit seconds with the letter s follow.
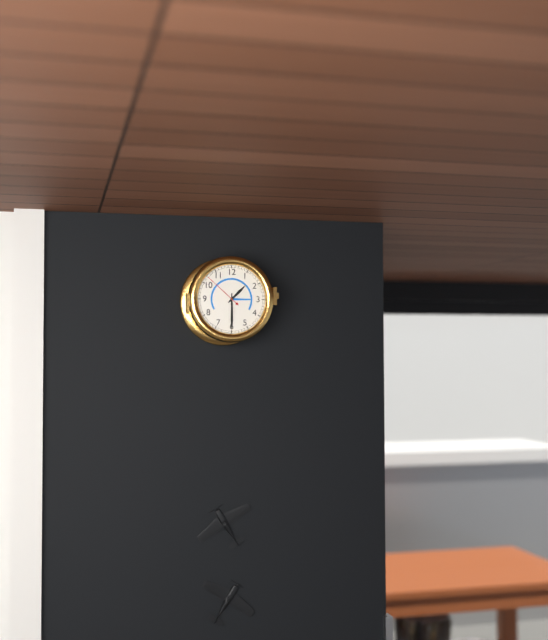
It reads 1h30
